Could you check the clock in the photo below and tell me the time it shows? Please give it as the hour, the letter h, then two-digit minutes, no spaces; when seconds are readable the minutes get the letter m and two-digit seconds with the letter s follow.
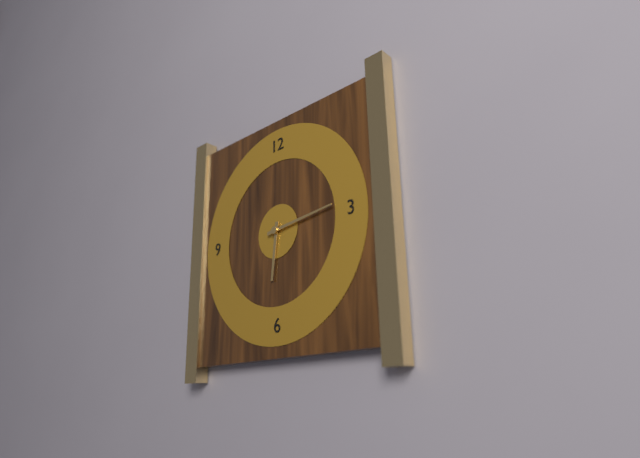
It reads 6h14
